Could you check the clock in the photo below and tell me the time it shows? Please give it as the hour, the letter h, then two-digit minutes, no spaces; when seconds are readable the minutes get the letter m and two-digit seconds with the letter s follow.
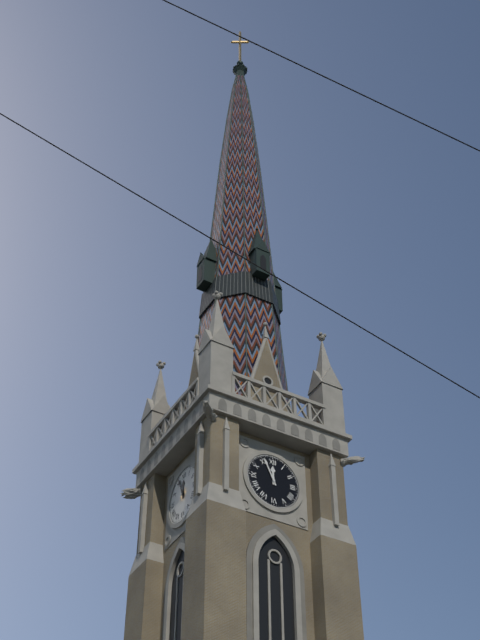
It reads 11h56
